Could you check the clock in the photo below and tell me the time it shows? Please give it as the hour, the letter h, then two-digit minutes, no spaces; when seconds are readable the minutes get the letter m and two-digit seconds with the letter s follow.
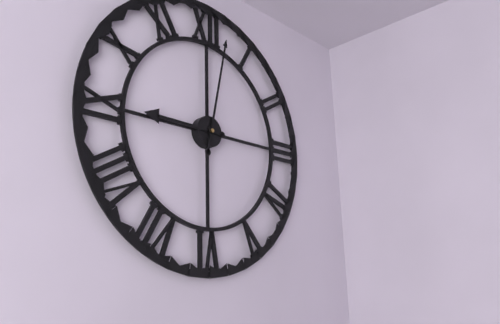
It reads 9h02
